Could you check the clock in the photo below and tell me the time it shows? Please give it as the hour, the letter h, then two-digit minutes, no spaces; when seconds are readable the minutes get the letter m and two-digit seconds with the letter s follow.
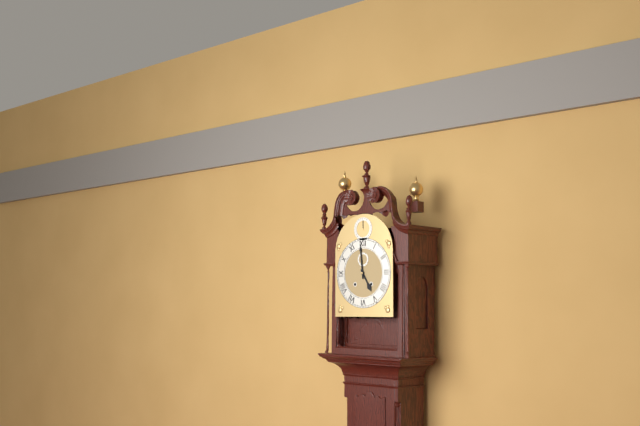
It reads 4h59
